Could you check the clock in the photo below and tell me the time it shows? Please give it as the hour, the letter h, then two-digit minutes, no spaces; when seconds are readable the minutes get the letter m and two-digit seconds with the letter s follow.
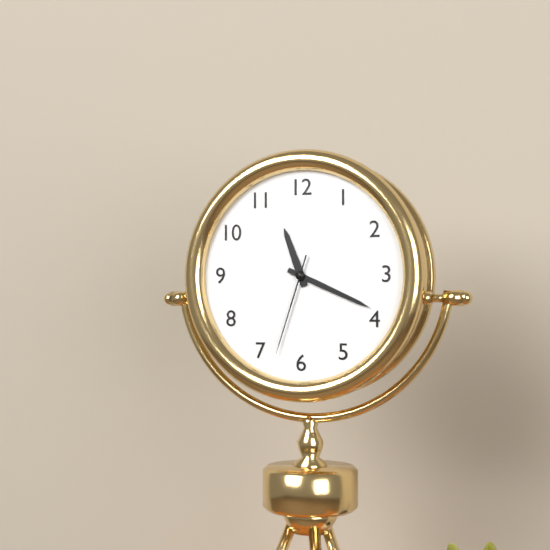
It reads 11h19m33s
